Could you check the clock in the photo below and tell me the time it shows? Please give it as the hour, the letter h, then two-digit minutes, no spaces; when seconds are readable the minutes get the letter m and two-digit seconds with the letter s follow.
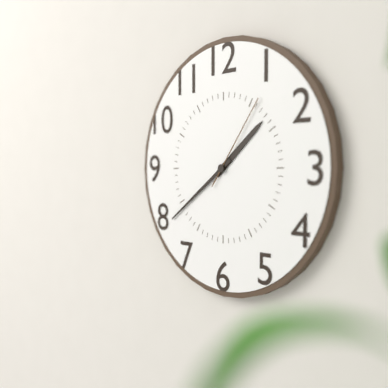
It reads 1h39m06s
